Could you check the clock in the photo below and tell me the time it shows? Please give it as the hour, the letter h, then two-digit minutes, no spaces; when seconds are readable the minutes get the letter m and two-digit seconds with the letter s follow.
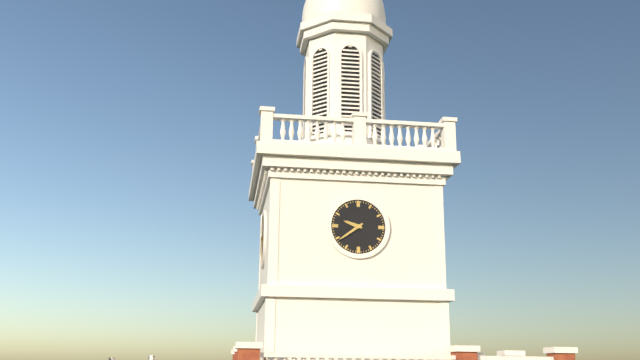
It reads 9h39
